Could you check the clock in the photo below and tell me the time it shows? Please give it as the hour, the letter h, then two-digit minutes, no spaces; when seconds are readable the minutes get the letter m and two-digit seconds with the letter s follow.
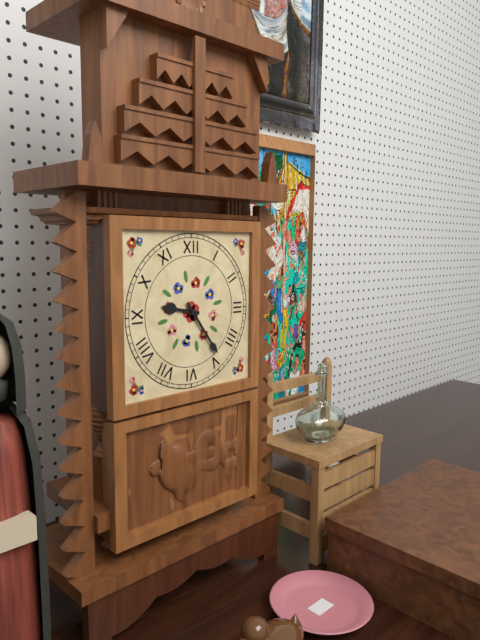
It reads 9h24
